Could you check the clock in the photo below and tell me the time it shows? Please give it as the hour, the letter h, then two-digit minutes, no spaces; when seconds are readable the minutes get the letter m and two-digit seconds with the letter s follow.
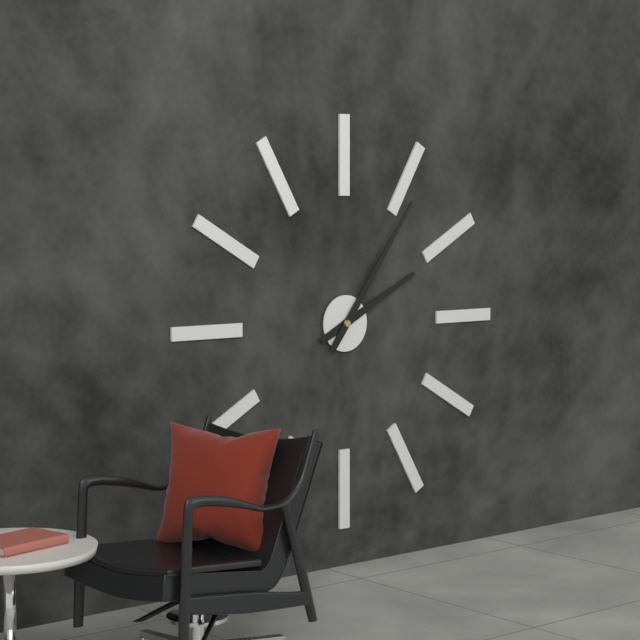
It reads 2h06
